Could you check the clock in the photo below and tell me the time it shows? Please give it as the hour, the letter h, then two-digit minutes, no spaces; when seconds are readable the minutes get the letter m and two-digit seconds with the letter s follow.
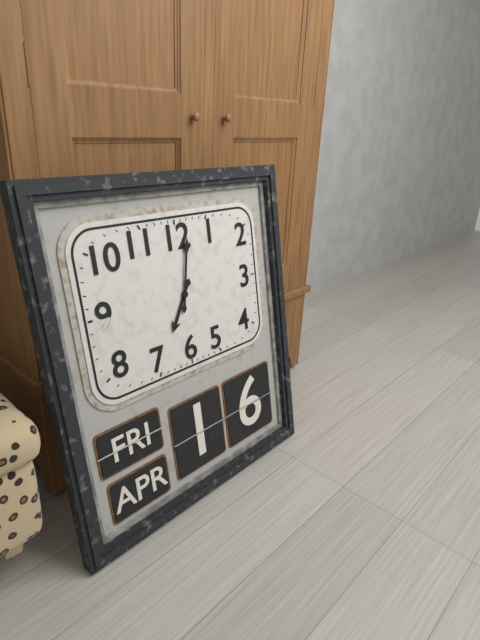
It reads 7h02
